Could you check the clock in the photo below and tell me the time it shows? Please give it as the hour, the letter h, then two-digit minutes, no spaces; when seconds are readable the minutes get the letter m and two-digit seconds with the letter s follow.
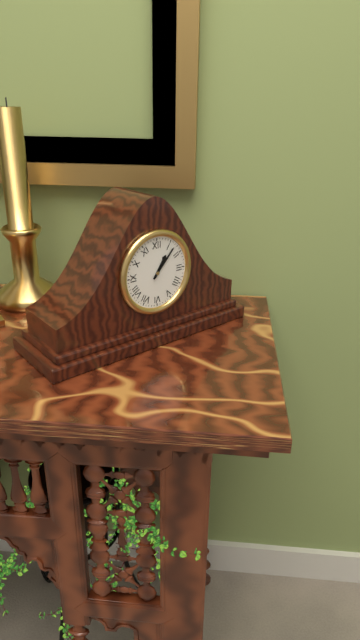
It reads 1h07
